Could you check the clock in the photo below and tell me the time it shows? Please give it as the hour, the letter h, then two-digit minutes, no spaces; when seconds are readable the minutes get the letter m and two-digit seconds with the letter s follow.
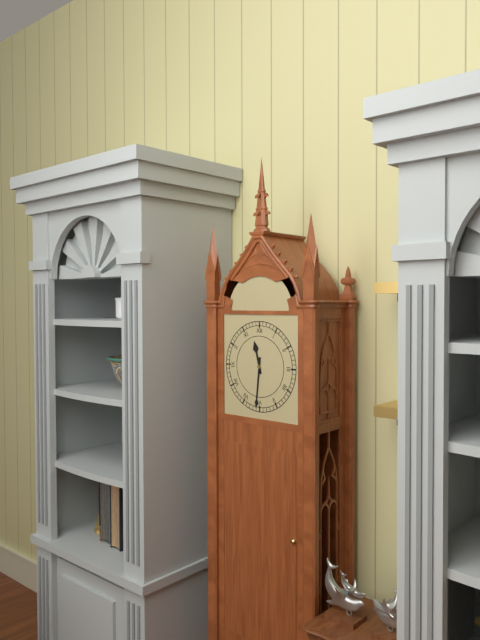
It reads 11h31
